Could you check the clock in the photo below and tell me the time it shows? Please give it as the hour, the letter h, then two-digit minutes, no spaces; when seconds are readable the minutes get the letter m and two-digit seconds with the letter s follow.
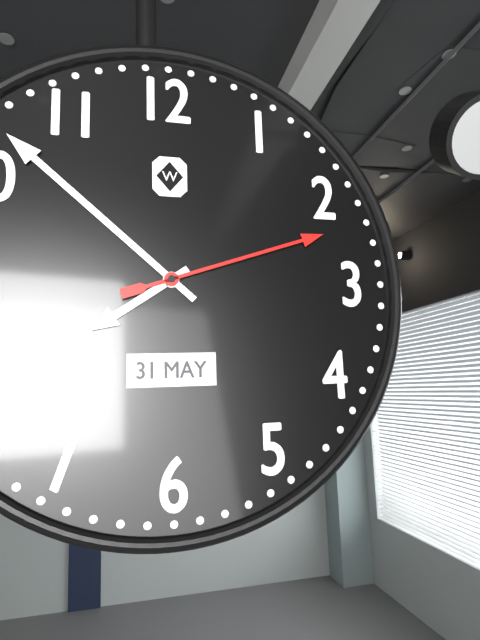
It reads 7h52m12s
